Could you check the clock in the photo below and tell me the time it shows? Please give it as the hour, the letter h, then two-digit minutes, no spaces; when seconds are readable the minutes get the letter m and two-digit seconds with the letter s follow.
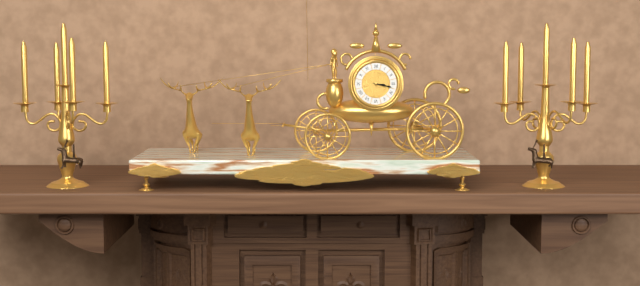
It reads 3h17
